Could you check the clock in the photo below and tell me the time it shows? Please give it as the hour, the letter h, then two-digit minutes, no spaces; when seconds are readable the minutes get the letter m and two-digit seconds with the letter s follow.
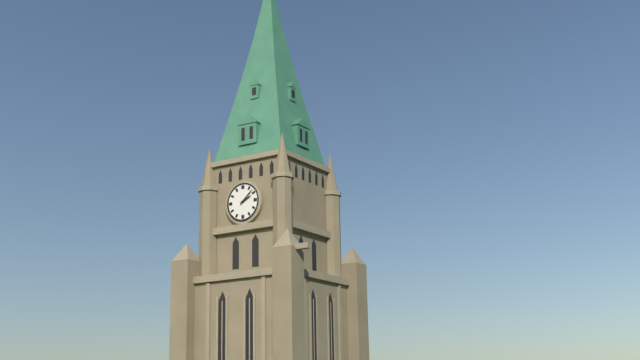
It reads 2h08
